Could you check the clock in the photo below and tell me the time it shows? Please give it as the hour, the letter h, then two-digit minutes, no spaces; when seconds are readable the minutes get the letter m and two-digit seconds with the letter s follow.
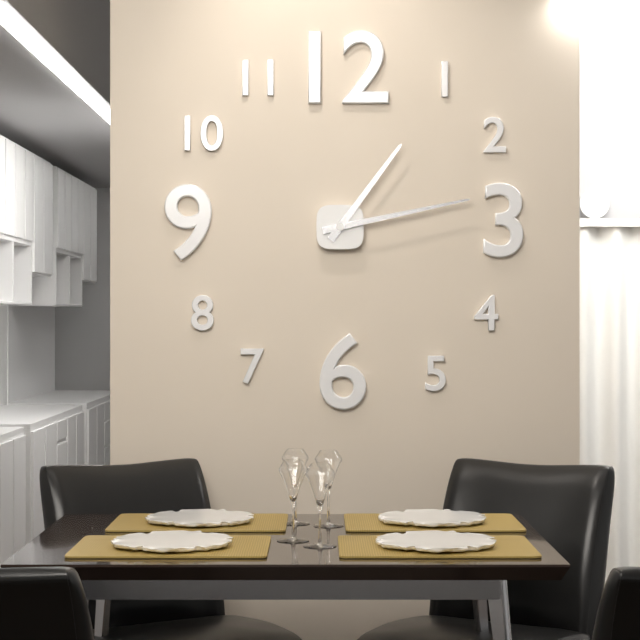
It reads 1h13
